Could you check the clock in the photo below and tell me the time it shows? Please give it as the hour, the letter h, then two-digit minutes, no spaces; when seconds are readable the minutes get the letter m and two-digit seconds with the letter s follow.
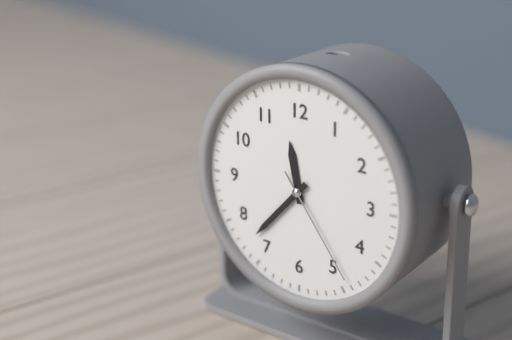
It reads 11h37m24s
